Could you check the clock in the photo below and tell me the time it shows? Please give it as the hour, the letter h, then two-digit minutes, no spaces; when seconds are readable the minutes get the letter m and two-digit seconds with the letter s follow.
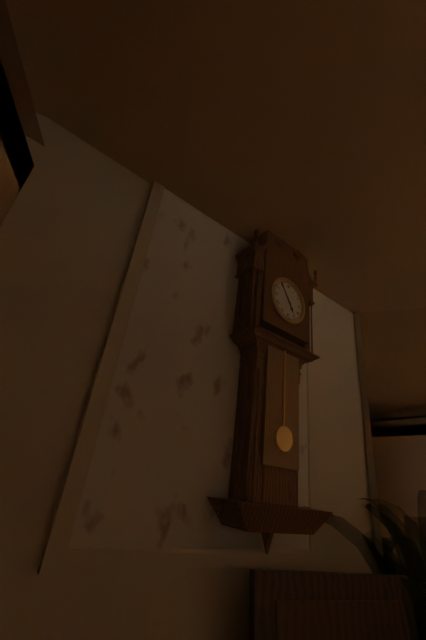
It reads 4h54
